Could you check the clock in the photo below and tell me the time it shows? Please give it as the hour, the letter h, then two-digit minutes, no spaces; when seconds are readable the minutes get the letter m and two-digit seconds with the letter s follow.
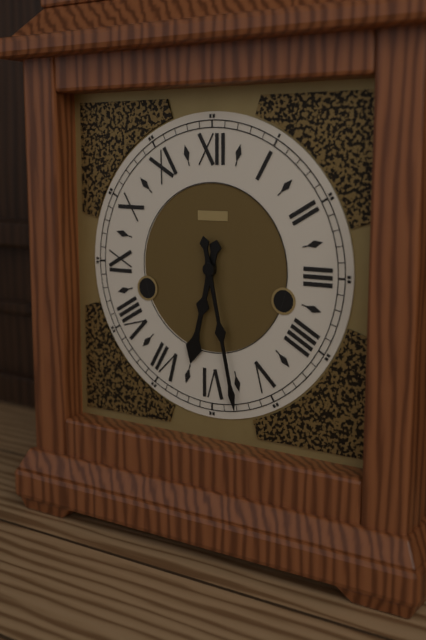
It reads 6h28
